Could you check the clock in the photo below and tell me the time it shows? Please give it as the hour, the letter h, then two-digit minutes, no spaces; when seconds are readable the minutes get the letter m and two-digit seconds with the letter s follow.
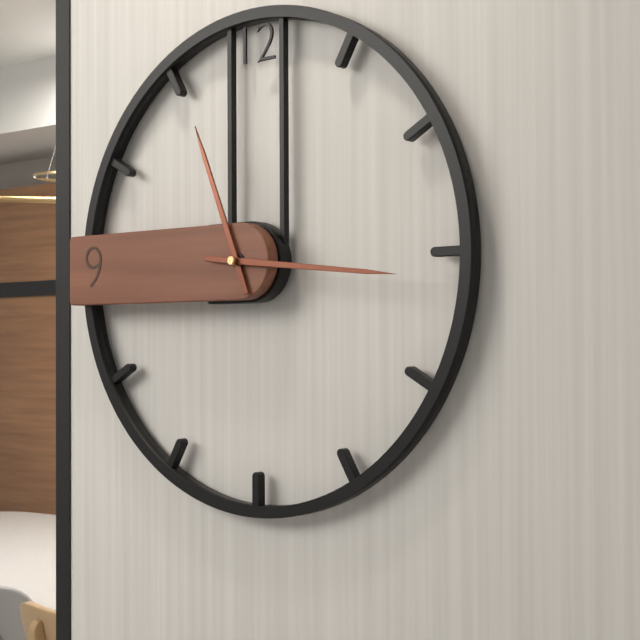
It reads 11h16
